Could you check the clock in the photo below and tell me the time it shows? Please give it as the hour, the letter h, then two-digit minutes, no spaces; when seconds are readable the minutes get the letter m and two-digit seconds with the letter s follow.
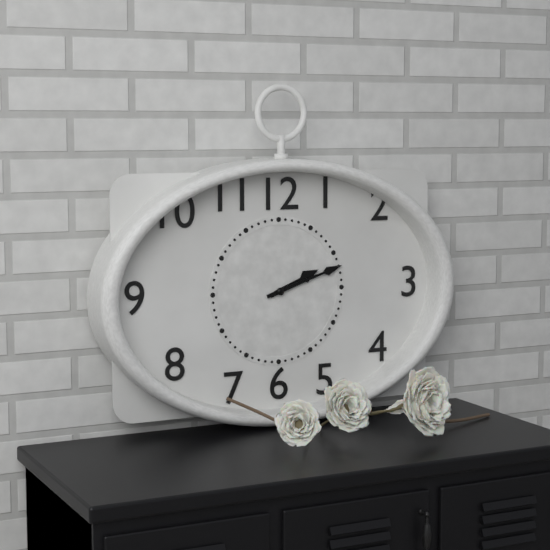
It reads 2h12
